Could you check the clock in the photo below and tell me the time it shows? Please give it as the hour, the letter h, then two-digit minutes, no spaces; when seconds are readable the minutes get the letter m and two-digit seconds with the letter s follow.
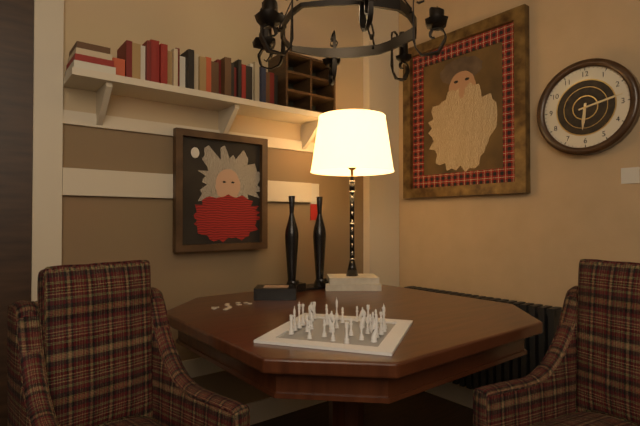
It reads 6h13
